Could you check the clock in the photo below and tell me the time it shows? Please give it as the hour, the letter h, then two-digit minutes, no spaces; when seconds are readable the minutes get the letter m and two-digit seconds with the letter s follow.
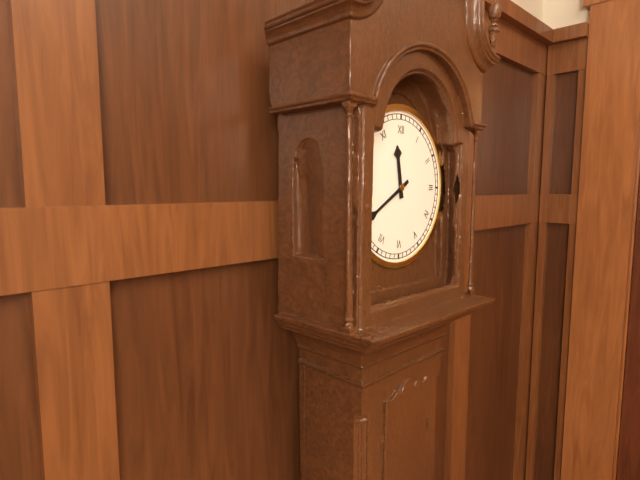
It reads 11h40
